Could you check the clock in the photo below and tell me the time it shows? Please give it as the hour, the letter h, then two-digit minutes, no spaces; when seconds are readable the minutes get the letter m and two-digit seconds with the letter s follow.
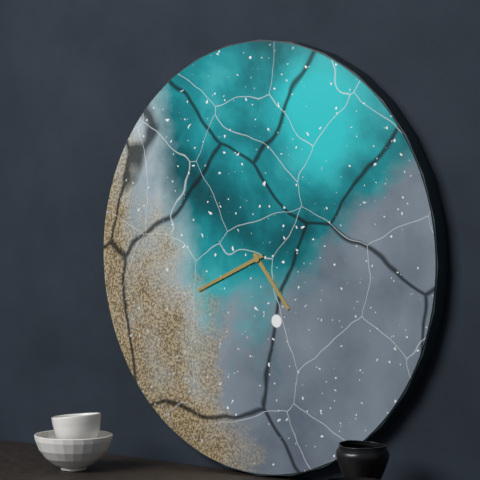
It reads 4h41
